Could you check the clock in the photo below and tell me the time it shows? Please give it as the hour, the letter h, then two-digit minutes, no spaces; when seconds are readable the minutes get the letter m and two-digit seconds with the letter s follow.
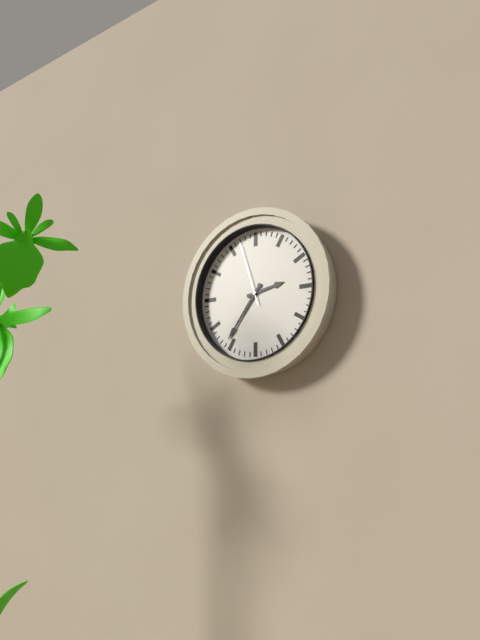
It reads 2h36m57s
